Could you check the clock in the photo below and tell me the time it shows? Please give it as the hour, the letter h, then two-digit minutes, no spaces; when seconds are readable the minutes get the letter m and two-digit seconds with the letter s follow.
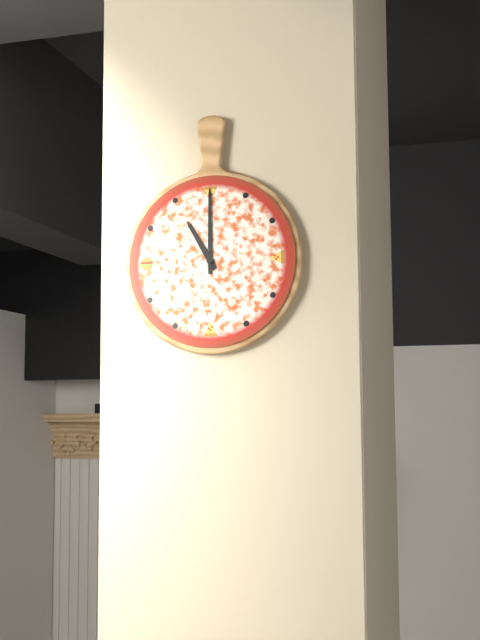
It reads 11h00
